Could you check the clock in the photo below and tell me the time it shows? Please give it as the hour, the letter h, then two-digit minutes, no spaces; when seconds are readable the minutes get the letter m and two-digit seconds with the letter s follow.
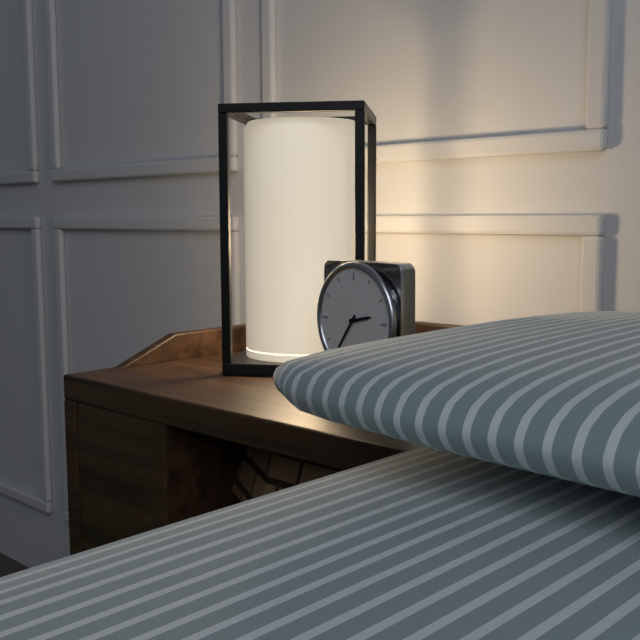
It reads 2h36
